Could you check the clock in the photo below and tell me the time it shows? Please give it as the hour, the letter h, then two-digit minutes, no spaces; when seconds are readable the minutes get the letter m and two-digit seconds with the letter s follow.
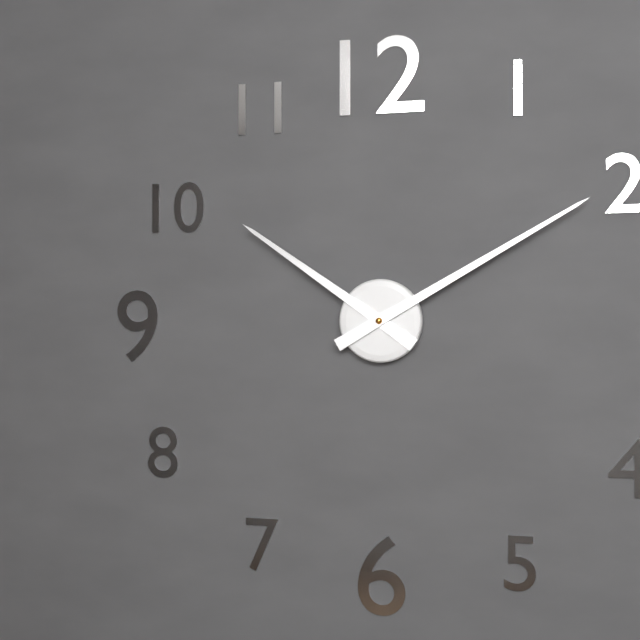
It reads 10h10
